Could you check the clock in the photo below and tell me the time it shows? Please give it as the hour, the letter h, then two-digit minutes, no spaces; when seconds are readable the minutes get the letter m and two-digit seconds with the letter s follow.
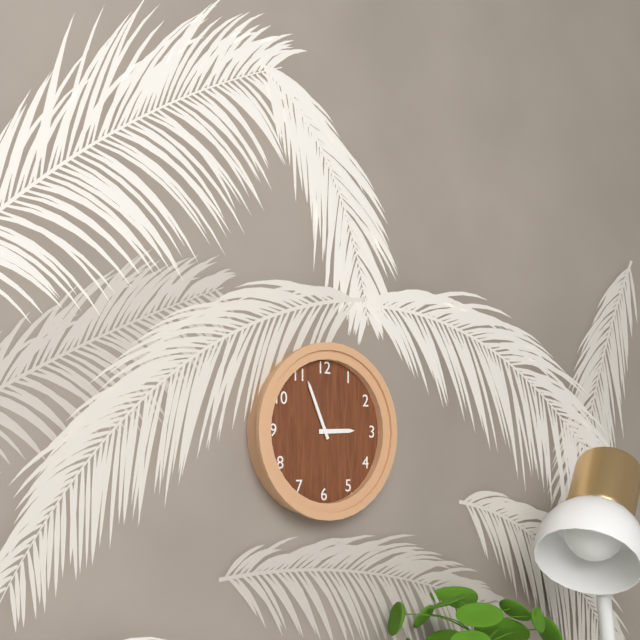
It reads 2h56
